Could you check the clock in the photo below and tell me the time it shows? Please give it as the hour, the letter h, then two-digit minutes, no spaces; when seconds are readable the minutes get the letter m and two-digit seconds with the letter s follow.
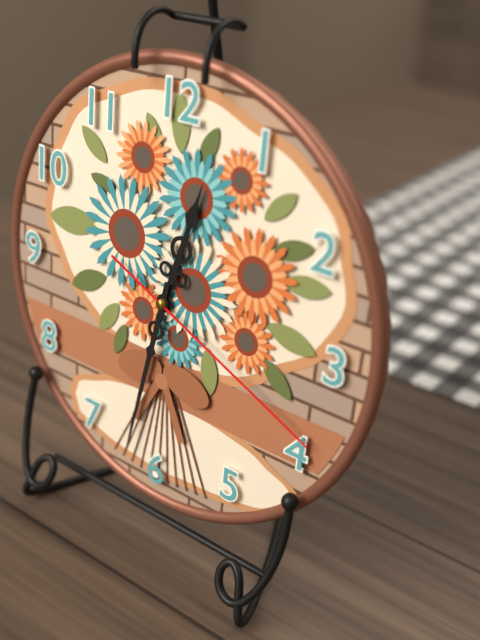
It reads 12h32m19s
